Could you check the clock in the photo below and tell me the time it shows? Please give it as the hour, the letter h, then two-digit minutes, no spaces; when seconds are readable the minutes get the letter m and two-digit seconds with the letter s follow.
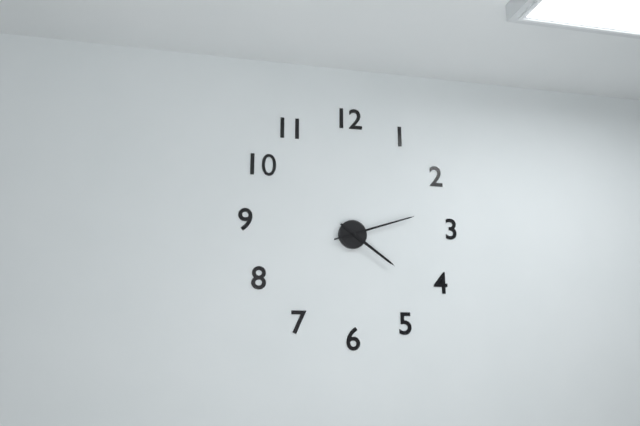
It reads 4h12
